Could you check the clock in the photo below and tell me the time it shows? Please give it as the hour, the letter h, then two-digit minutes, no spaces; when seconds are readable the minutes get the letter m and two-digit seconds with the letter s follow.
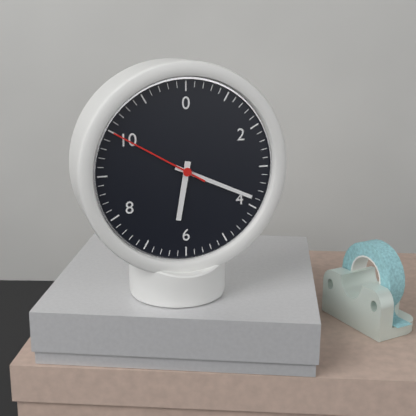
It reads 6h19m50s
